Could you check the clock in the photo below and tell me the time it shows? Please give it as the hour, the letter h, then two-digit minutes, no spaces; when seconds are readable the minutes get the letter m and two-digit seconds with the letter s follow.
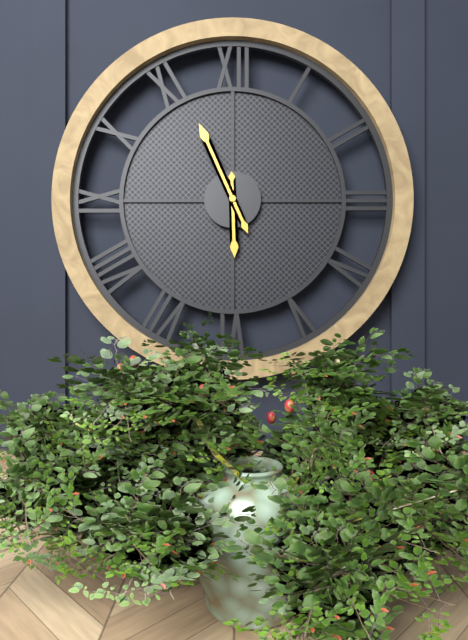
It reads 5h56
